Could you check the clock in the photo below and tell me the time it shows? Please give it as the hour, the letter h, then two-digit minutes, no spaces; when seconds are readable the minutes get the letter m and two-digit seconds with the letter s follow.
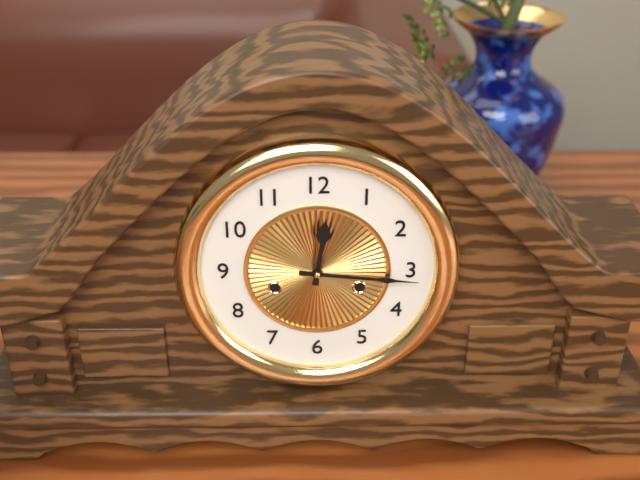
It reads 12h16
